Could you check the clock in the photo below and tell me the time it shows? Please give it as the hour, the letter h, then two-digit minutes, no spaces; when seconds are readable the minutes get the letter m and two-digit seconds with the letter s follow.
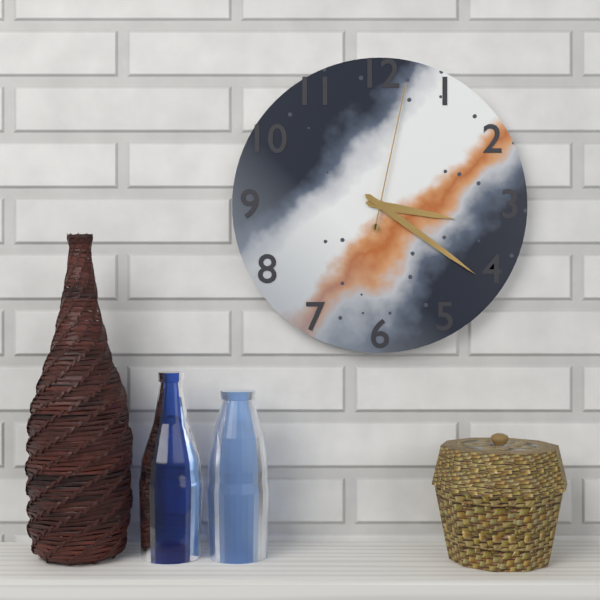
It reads 3h21m02s
